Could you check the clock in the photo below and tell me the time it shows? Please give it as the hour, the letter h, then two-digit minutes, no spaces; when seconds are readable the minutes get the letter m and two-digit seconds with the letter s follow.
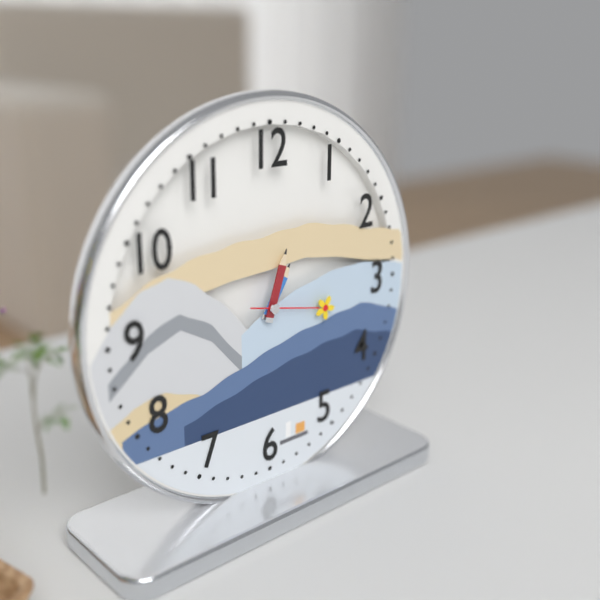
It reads 1h03m17s
